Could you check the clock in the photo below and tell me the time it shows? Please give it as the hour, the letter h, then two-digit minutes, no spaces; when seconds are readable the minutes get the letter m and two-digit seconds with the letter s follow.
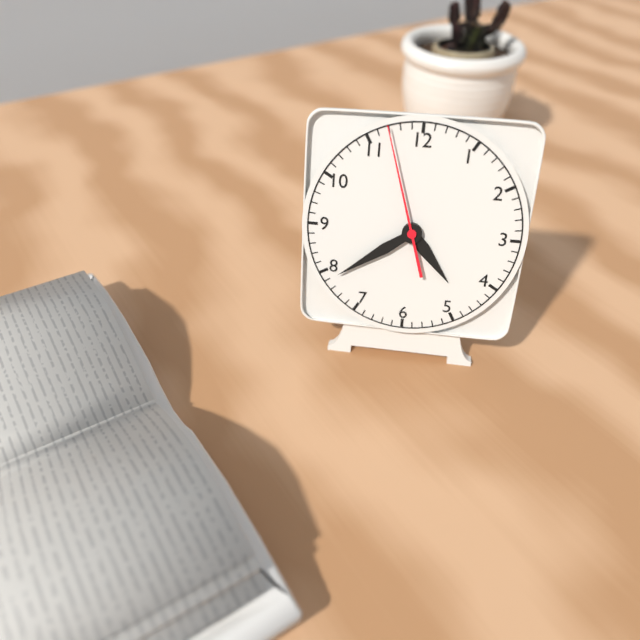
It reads 4h39m57s
